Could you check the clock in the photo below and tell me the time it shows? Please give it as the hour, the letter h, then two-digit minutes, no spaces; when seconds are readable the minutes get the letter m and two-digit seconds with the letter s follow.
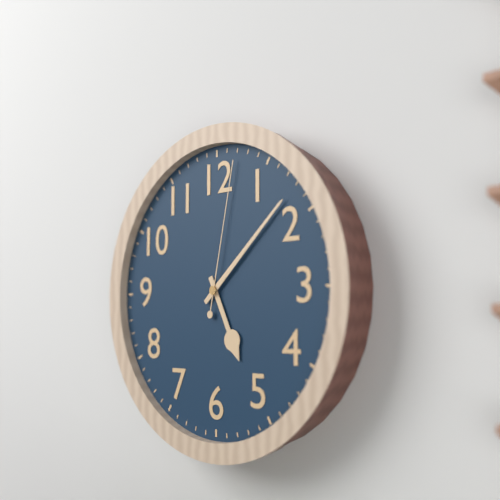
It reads 5h08m02s
